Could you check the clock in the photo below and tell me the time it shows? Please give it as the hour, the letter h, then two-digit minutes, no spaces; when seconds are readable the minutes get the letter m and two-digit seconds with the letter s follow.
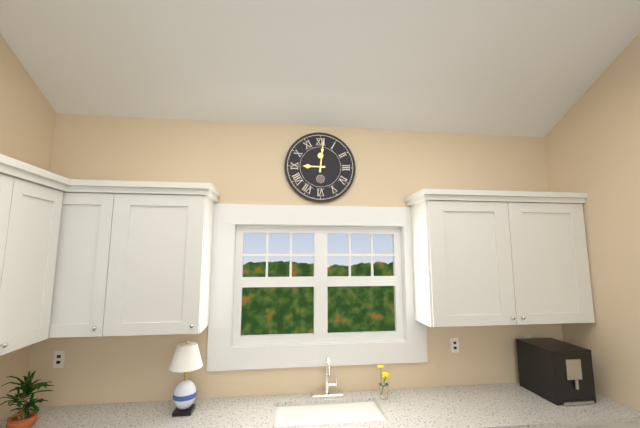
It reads 9h01
